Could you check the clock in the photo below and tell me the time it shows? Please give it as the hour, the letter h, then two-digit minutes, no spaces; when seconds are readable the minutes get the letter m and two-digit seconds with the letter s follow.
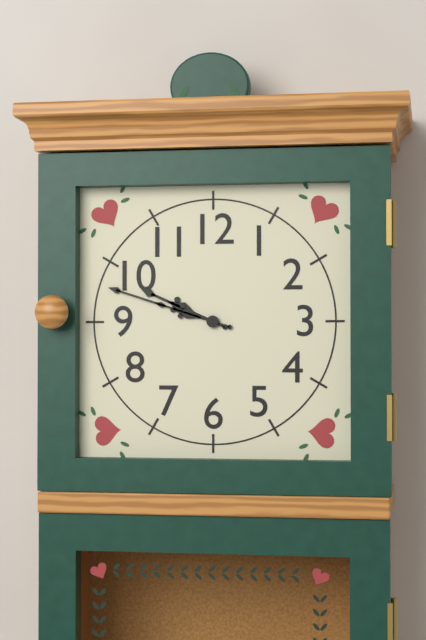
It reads 9h48
